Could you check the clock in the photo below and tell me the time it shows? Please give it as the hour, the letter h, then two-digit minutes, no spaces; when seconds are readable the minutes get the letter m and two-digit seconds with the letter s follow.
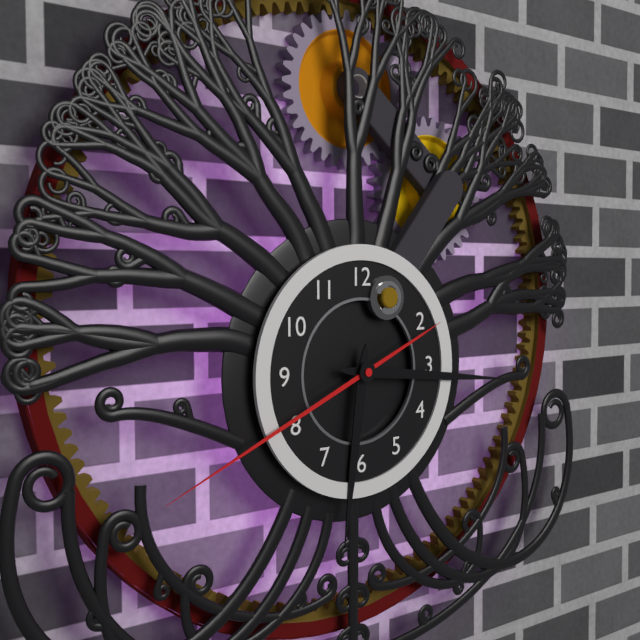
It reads 6h16m41s
